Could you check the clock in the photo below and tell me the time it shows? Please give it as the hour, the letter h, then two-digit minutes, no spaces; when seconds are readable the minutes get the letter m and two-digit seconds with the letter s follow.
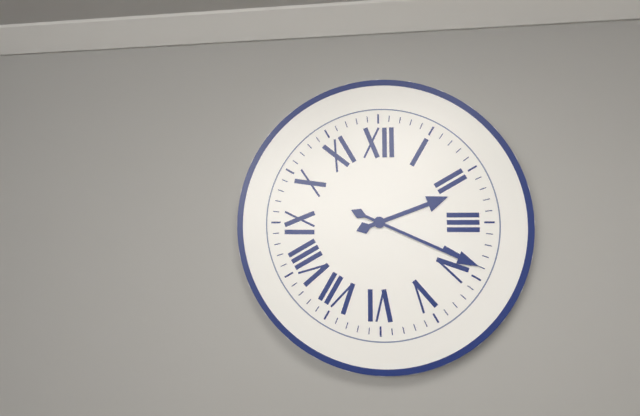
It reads 2h19
